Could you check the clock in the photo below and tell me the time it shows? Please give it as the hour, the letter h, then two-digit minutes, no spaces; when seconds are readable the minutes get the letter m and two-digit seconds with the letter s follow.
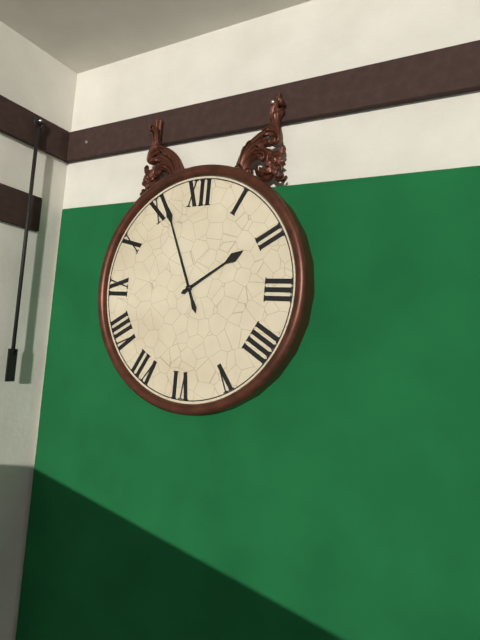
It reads 1h56
